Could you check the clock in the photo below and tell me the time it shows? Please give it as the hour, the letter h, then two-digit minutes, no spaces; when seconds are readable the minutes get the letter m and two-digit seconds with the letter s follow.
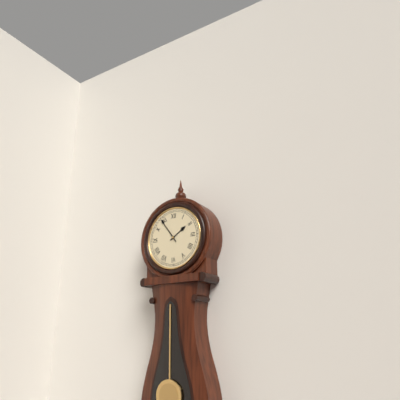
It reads 1h54
